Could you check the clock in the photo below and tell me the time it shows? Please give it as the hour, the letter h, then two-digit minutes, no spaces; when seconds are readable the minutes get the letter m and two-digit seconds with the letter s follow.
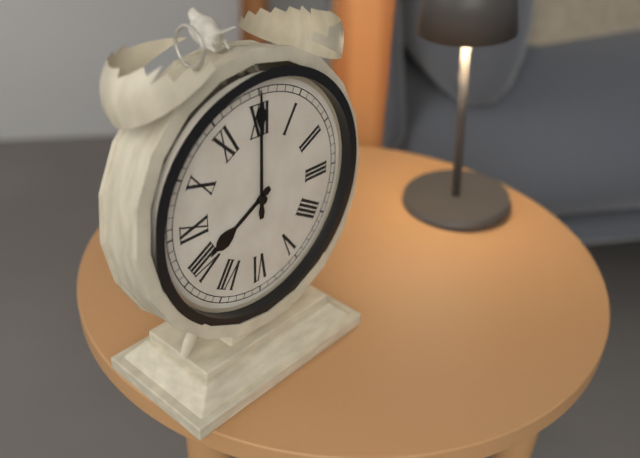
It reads 8h00
